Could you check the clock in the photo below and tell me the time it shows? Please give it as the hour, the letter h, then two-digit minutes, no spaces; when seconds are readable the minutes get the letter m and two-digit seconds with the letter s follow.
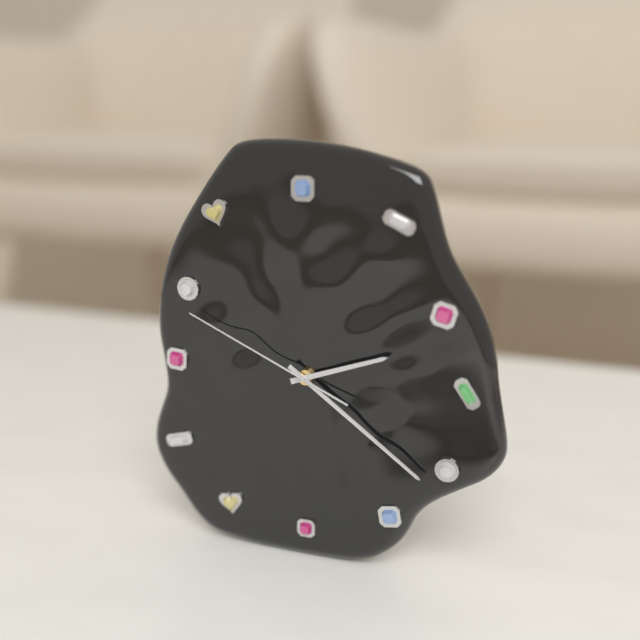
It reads 2h21m49s
